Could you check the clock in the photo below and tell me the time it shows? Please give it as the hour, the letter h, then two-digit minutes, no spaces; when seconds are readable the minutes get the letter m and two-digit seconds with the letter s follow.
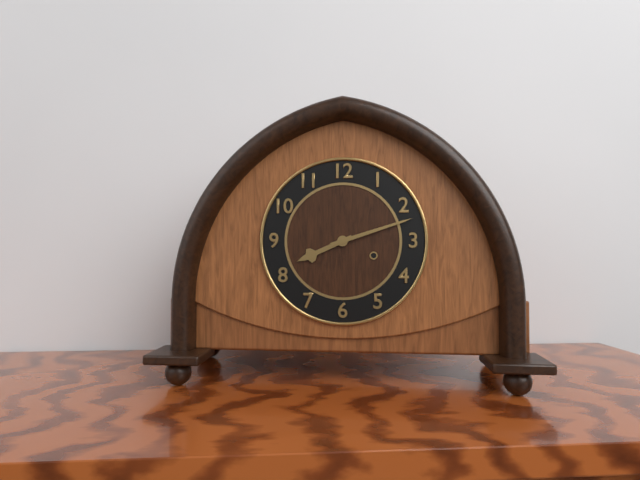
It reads 8h12
